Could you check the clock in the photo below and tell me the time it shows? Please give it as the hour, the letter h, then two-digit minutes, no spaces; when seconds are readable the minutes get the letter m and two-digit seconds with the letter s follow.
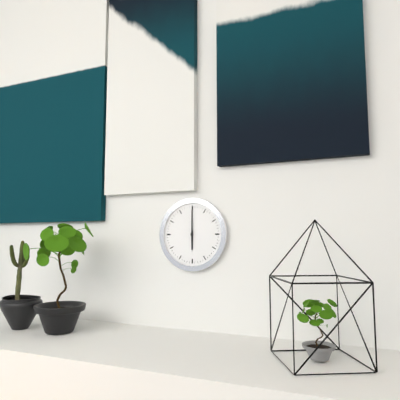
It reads 6h00
